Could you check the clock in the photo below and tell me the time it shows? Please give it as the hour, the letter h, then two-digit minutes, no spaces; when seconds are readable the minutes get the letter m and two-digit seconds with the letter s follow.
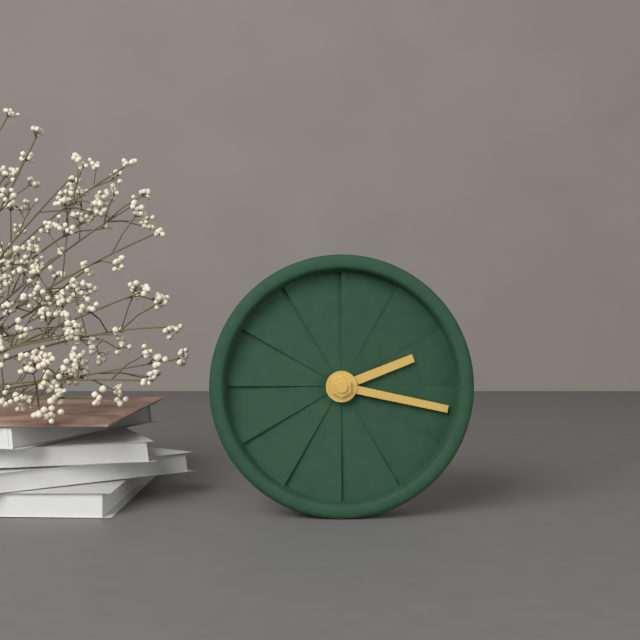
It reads 2h17
